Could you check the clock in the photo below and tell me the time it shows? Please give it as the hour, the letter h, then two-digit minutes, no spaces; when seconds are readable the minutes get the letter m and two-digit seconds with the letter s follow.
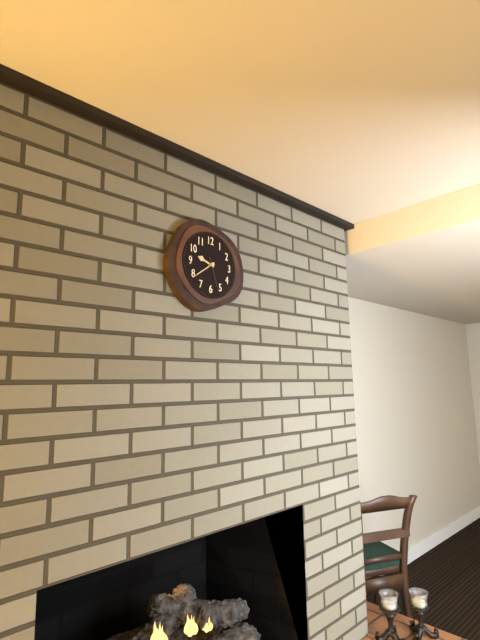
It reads 9h39
